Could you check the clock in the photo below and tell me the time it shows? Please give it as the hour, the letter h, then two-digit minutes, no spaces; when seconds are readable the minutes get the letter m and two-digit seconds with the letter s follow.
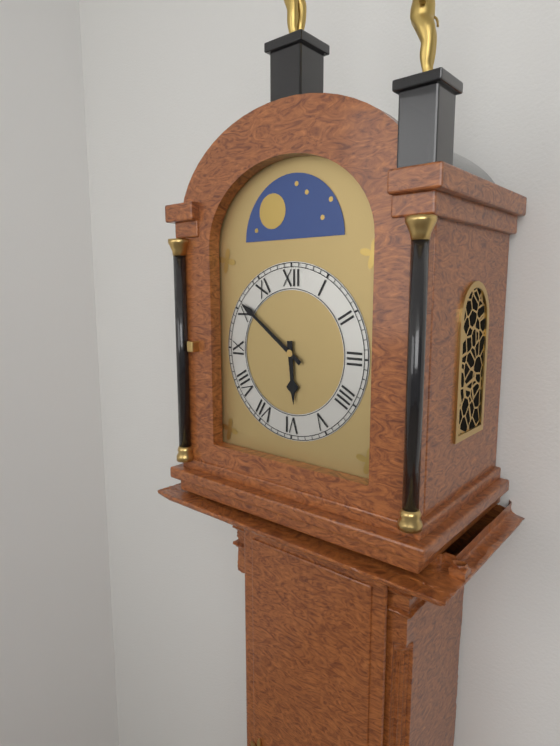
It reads 5h51
